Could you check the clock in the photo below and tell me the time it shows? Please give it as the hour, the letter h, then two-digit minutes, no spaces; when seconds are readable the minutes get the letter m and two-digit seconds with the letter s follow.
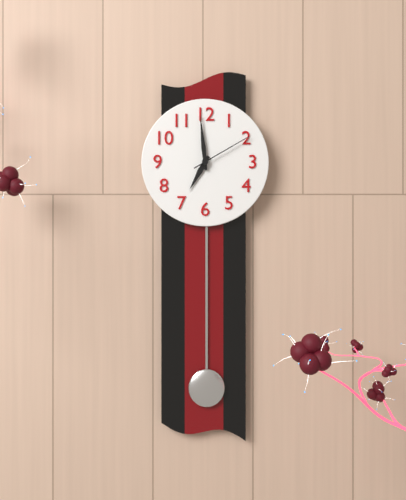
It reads 6h59m10s
